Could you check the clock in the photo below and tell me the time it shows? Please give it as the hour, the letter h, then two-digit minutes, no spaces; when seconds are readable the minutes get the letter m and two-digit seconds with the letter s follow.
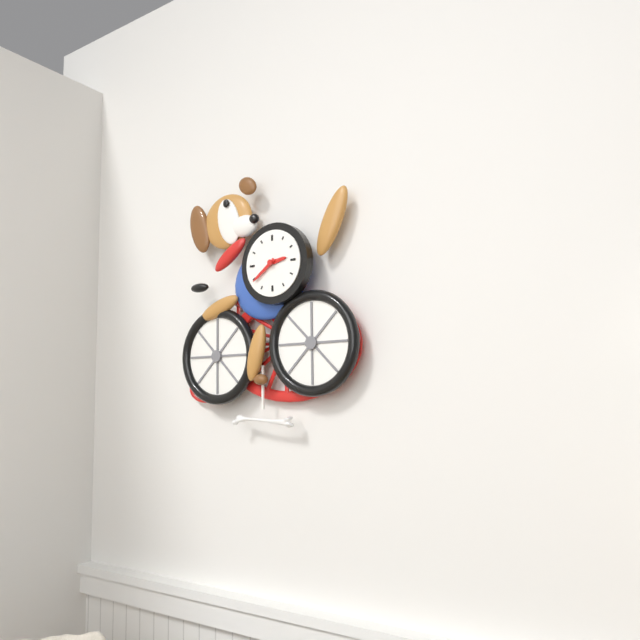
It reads 2h39
